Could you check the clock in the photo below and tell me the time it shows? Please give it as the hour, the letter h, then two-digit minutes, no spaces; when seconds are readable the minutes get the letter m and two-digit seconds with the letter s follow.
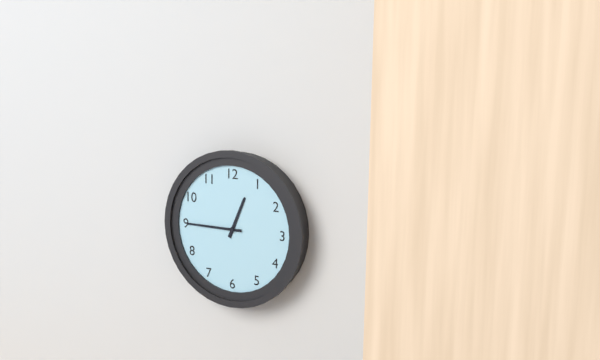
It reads 12h45
